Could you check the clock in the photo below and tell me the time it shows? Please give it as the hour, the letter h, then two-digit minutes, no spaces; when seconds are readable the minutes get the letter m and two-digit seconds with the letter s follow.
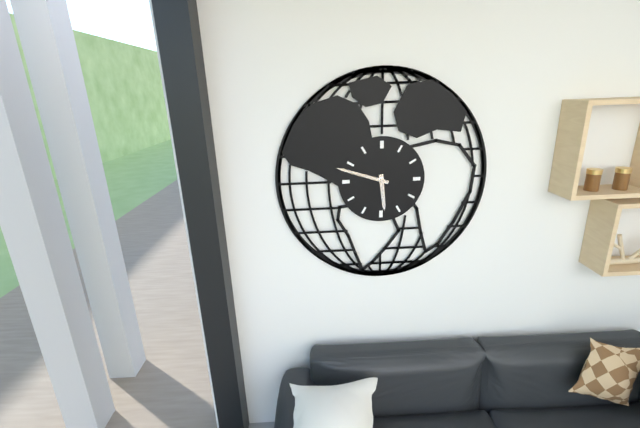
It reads 5h48
